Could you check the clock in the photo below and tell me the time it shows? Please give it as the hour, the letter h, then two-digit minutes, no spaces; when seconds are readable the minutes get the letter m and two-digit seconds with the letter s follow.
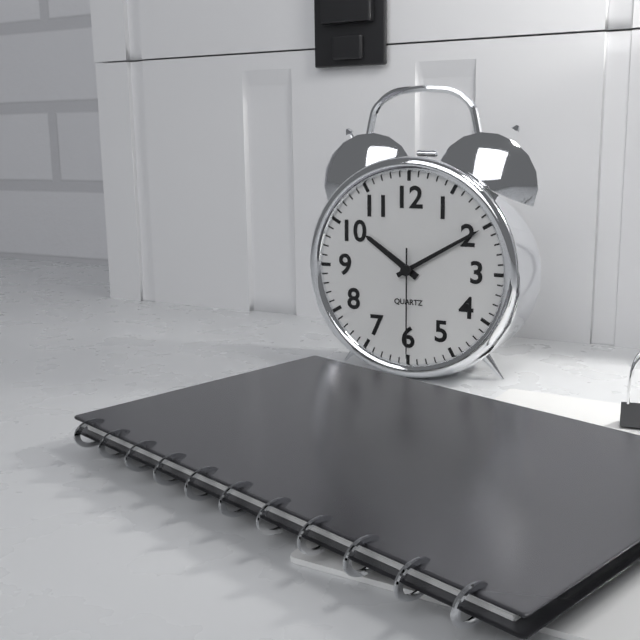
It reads 10h10m30s
